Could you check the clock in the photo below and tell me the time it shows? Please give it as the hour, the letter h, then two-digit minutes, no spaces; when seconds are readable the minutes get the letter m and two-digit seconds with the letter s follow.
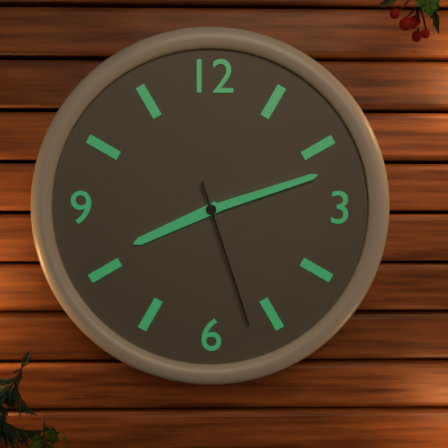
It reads 8h12m27s
